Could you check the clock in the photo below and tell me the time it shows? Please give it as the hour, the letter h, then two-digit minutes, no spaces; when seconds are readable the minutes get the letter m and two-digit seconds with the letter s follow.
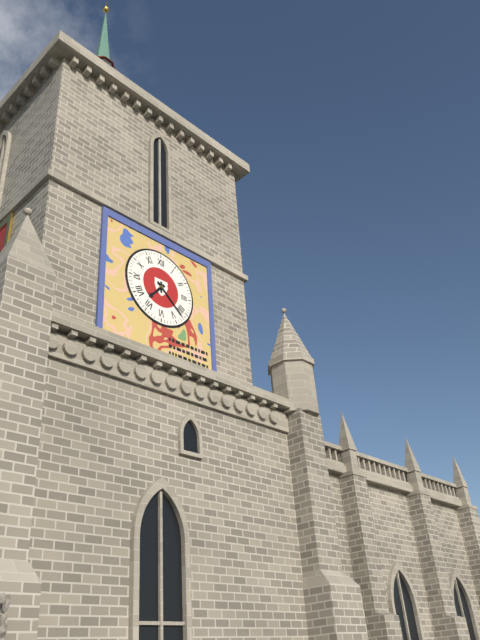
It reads 7h22
